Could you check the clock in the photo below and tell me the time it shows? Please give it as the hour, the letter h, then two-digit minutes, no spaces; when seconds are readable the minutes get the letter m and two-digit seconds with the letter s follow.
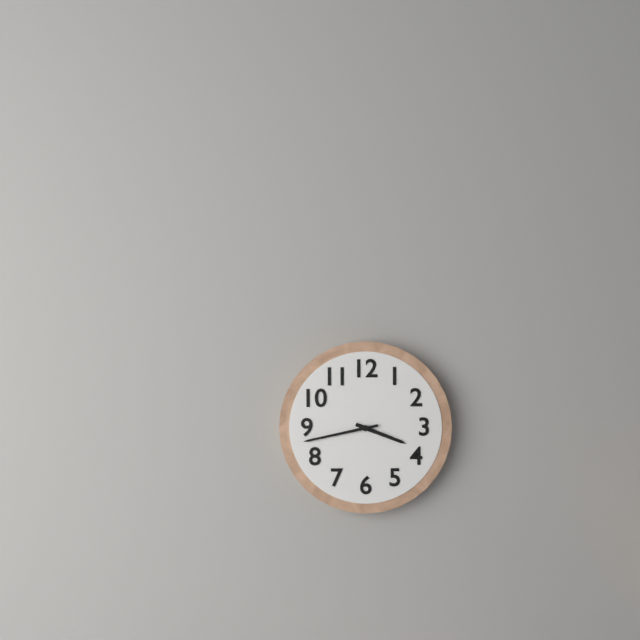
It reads 3h43
